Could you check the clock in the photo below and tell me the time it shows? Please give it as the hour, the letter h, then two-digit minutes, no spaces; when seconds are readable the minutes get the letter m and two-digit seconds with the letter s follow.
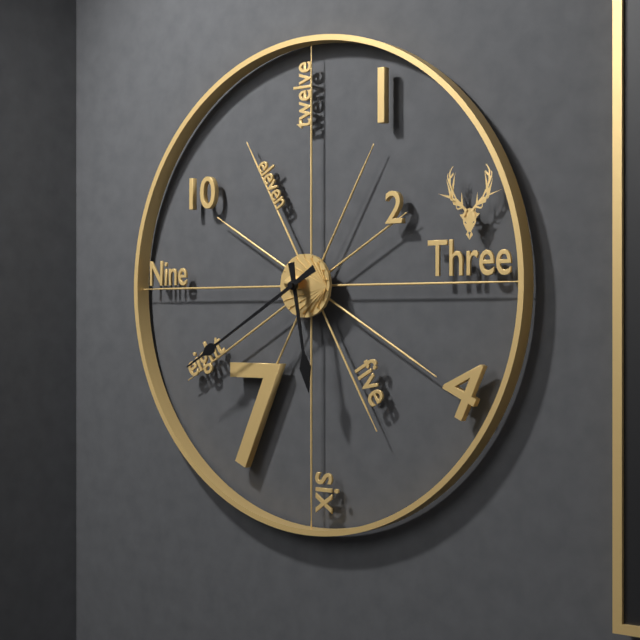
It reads 5h40
